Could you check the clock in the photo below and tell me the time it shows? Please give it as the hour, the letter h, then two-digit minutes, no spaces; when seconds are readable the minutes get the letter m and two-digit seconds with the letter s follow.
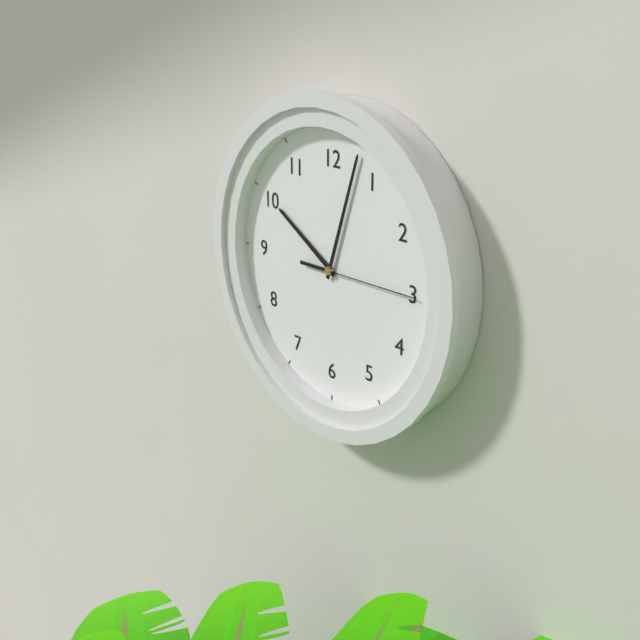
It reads 10h03m15s
